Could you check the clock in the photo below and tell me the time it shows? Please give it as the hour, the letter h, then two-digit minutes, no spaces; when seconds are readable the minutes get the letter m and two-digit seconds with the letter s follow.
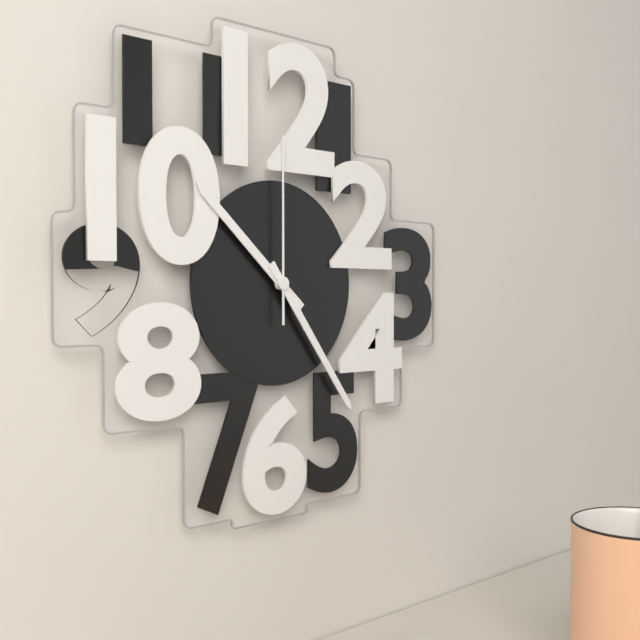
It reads 10h24m00s
